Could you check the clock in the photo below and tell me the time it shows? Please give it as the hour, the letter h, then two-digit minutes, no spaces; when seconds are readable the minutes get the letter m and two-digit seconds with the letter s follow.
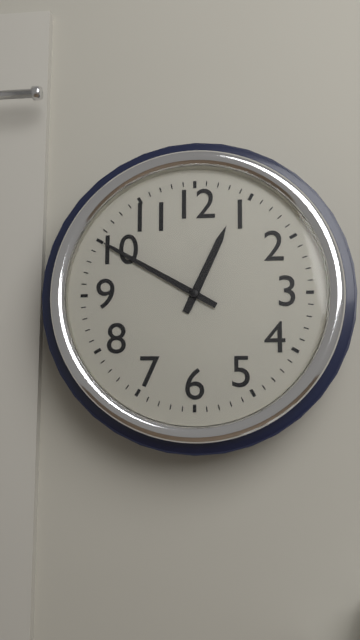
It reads 12h50
